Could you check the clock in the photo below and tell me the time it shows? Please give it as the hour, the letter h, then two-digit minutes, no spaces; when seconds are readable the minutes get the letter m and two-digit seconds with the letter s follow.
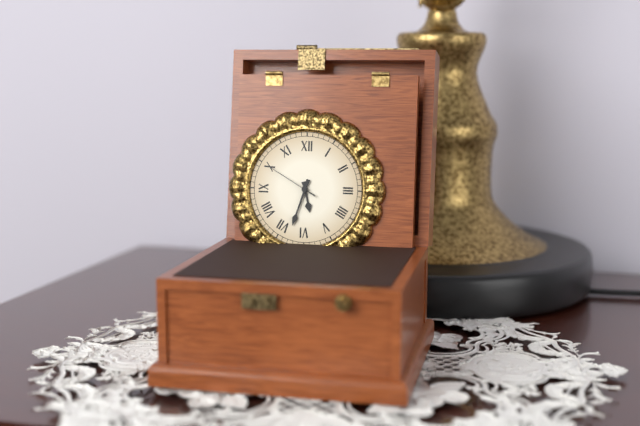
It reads 5h33m50s
